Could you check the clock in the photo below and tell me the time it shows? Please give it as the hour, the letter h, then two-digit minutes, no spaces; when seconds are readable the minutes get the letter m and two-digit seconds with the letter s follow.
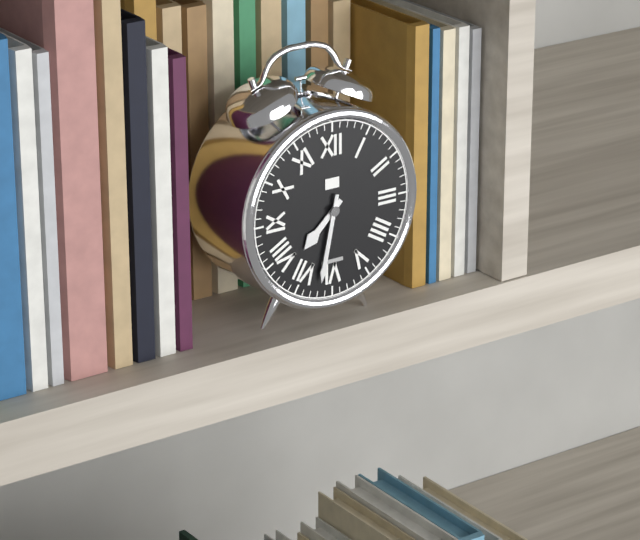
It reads 7h32
